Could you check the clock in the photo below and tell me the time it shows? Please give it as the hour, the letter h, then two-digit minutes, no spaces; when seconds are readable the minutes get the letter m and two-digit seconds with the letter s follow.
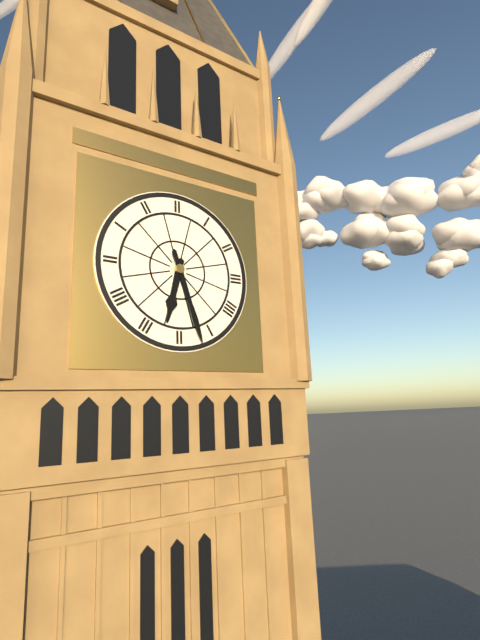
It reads 6h27
